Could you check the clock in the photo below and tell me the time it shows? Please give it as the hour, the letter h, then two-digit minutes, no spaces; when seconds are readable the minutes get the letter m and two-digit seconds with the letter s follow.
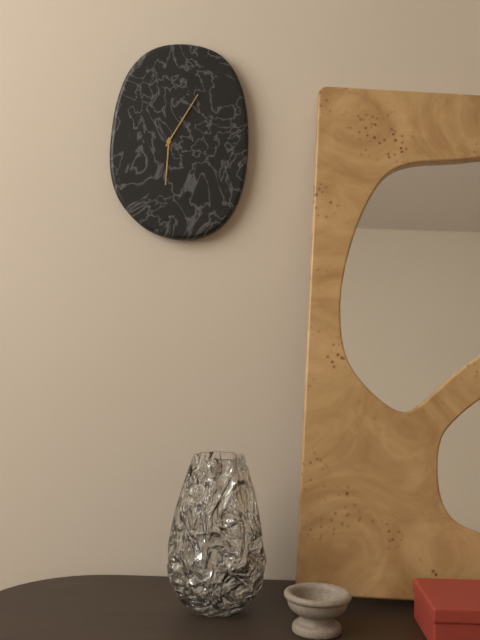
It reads 6h05
